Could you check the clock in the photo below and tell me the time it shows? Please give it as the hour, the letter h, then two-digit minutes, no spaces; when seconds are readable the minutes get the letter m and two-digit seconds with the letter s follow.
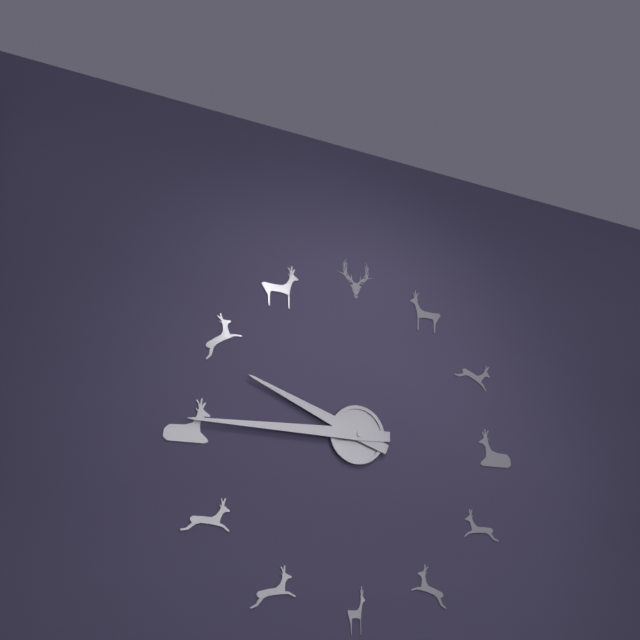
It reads 9h45
